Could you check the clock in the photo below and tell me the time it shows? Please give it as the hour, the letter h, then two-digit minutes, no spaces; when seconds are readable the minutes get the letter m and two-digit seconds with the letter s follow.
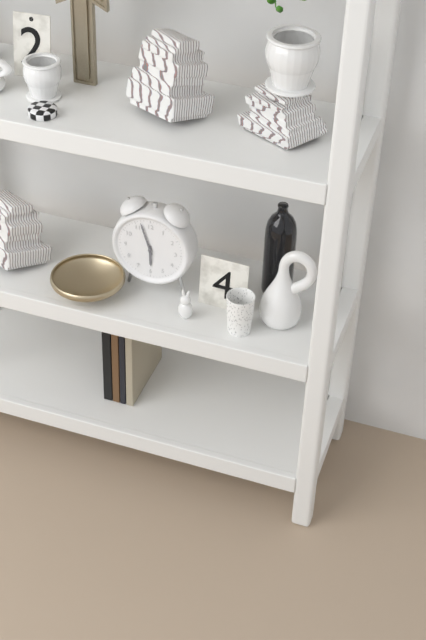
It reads 5h57
